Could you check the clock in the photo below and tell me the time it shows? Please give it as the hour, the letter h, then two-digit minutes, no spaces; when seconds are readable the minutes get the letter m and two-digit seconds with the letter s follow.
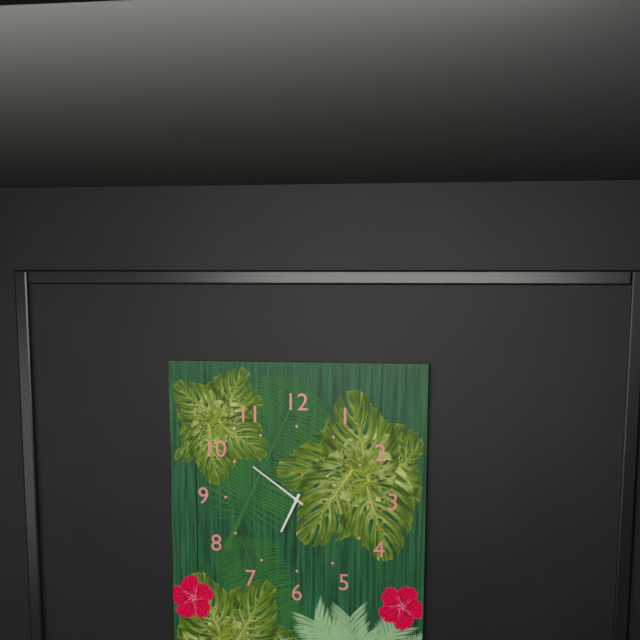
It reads 6h51
